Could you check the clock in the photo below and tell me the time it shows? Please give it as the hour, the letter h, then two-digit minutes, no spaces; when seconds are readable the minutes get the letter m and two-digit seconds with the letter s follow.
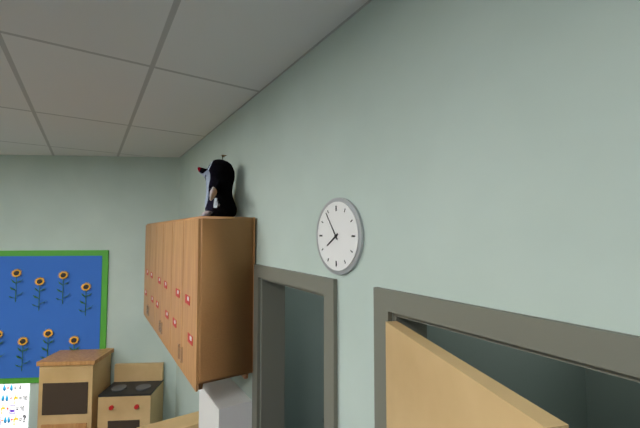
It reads 7h54
